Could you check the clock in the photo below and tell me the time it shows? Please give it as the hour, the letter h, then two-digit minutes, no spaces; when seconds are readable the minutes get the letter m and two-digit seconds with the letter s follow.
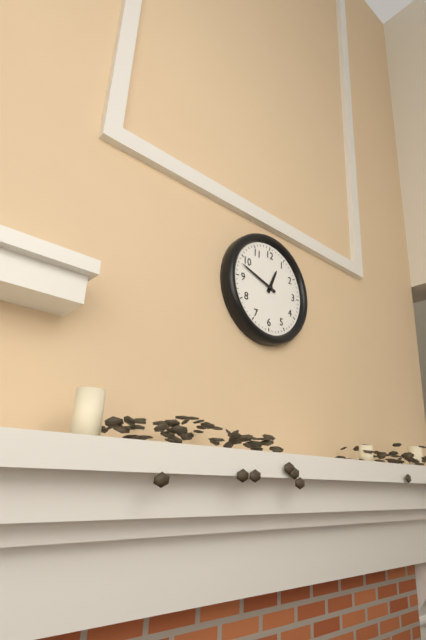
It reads 12h48
